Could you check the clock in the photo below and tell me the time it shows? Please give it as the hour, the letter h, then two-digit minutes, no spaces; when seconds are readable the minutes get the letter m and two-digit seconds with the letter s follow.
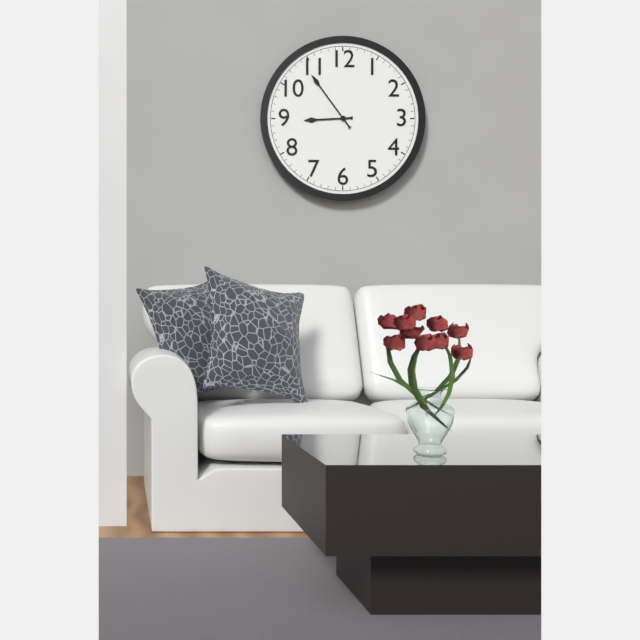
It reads 8h54
